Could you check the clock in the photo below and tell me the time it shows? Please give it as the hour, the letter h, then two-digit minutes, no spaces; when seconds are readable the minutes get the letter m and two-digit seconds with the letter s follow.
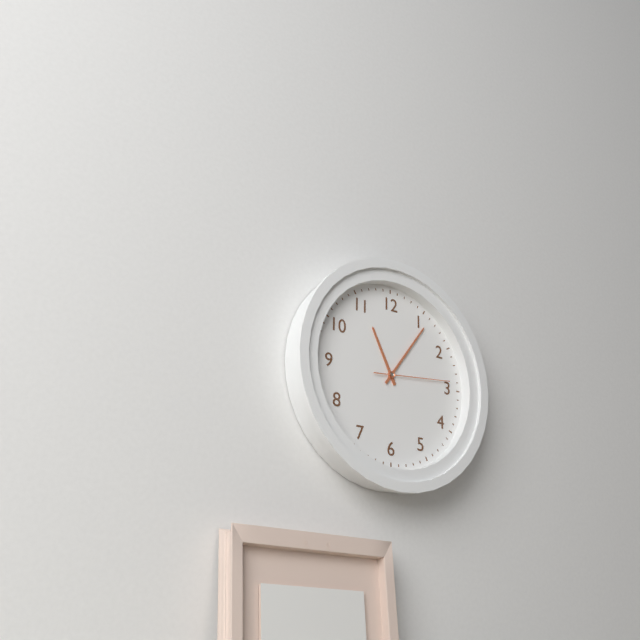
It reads 11h06m14s
